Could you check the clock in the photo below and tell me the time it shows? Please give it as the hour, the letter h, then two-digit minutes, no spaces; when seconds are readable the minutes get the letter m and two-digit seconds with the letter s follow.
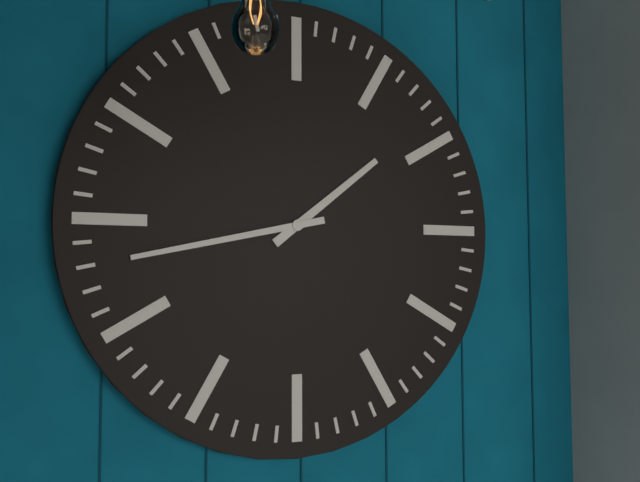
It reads 1h43
